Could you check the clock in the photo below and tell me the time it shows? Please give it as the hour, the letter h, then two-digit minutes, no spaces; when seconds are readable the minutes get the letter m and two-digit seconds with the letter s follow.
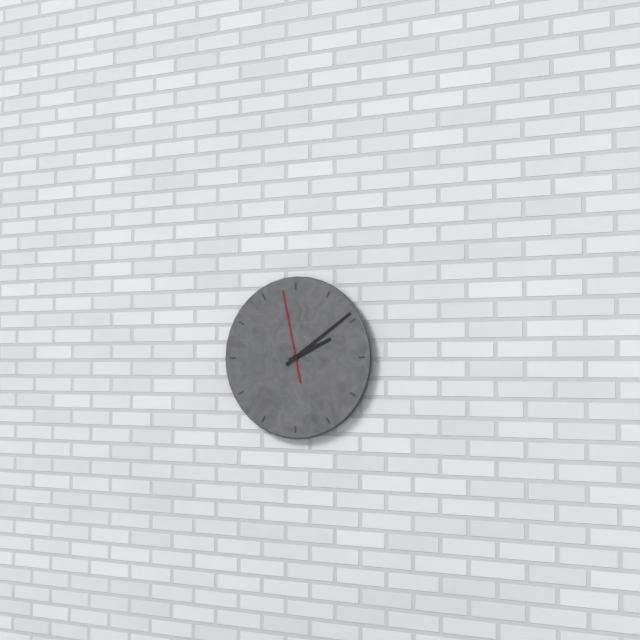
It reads 2h09m58s
